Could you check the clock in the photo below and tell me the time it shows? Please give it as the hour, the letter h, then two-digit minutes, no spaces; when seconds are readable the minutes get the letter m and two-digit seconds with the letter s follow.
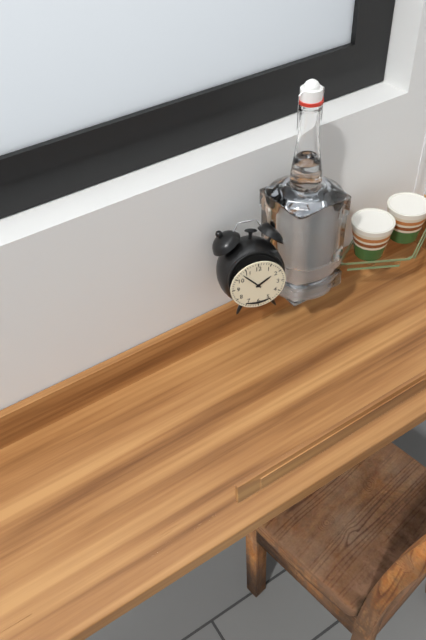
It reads 1h53
